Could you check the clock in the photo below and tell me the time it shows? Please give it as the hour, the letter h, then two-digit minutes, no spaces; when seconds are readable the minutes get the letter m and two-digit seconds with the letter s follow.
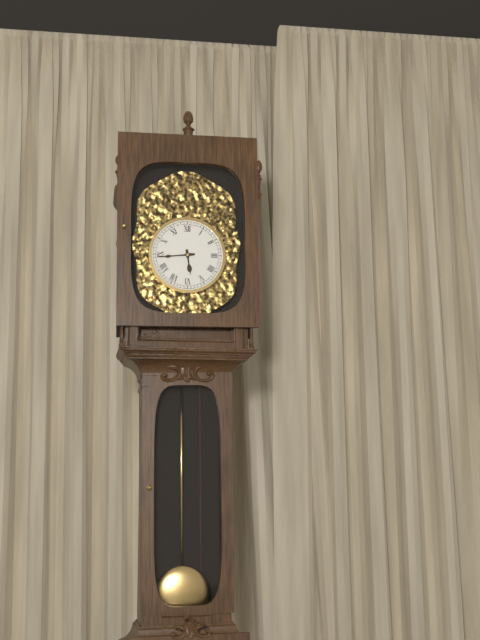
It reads 5h44
